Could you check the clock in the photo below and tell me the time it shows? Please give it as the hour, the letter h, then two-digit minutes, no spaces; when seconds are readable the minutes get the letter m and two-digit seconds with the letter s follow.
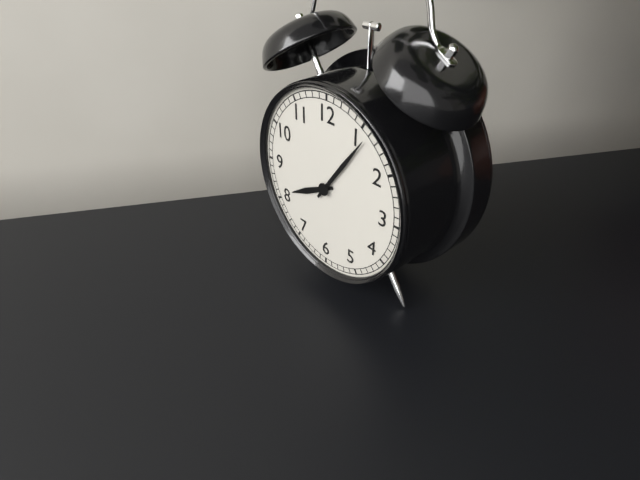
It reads 8h06
